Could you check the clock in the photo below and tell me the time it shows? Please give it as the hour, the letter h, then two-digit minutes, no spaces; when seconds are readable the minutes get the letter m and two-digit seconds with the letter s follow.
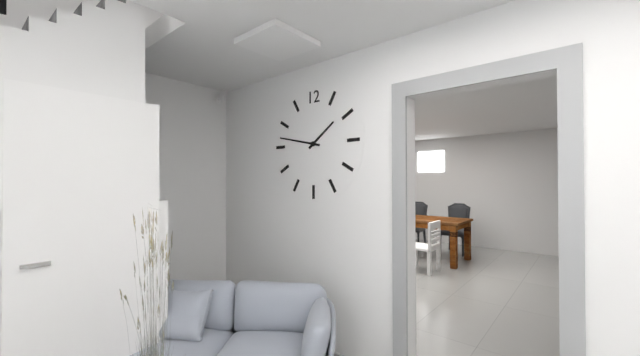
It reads 1h47
